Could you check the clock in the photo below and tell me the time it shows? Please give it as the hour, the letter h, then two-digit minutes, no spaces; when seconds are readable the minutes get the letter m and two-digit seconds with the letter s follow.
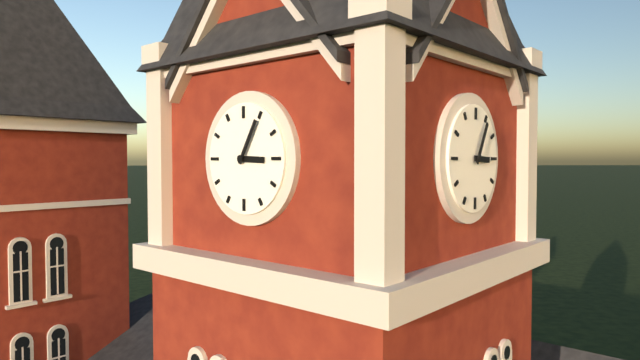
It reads 3h05
